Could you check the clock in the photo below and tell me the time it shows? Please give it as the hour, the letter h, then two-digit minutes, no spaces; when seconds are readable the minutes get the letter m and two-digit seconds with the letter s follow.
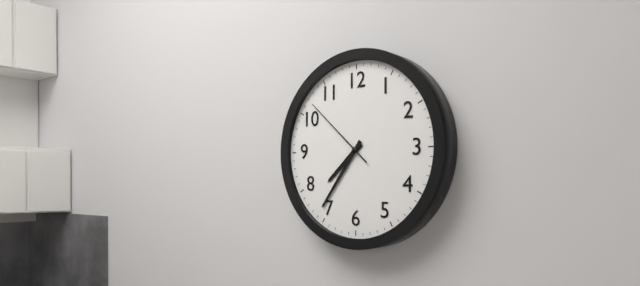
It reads 7h36m52s
